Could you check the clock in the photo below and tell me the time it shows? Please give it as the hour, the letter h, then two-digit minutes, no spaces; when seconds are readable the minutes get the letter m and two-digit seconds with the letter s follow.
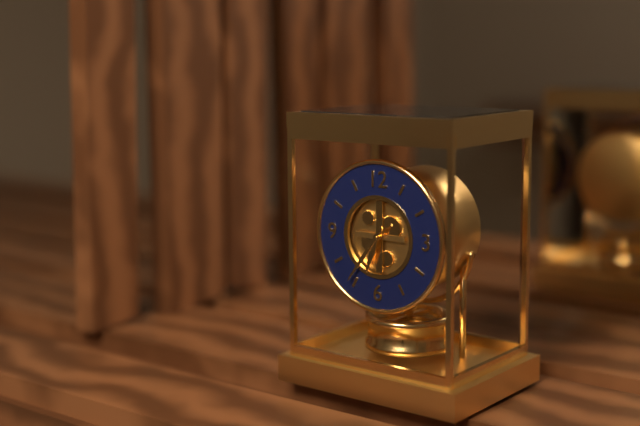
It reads 6h36
